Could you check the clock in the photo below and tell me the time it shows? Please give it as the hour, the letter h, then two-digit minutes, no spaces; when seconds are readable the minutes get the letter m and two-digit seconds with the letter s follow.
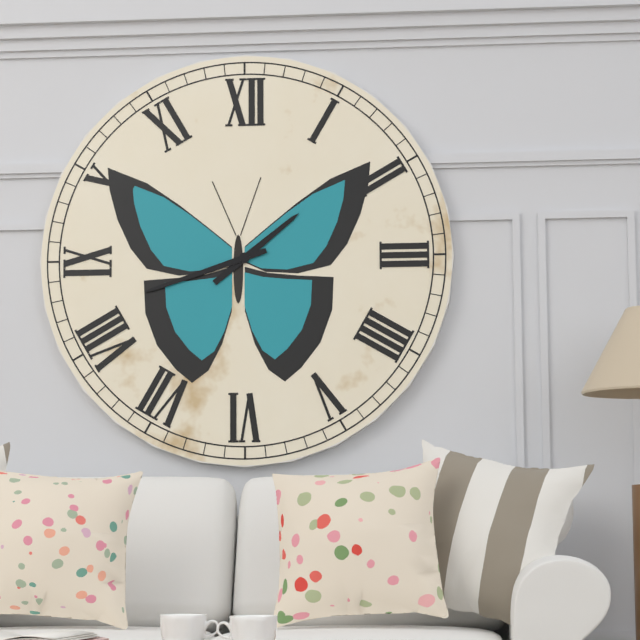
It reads 1h42
